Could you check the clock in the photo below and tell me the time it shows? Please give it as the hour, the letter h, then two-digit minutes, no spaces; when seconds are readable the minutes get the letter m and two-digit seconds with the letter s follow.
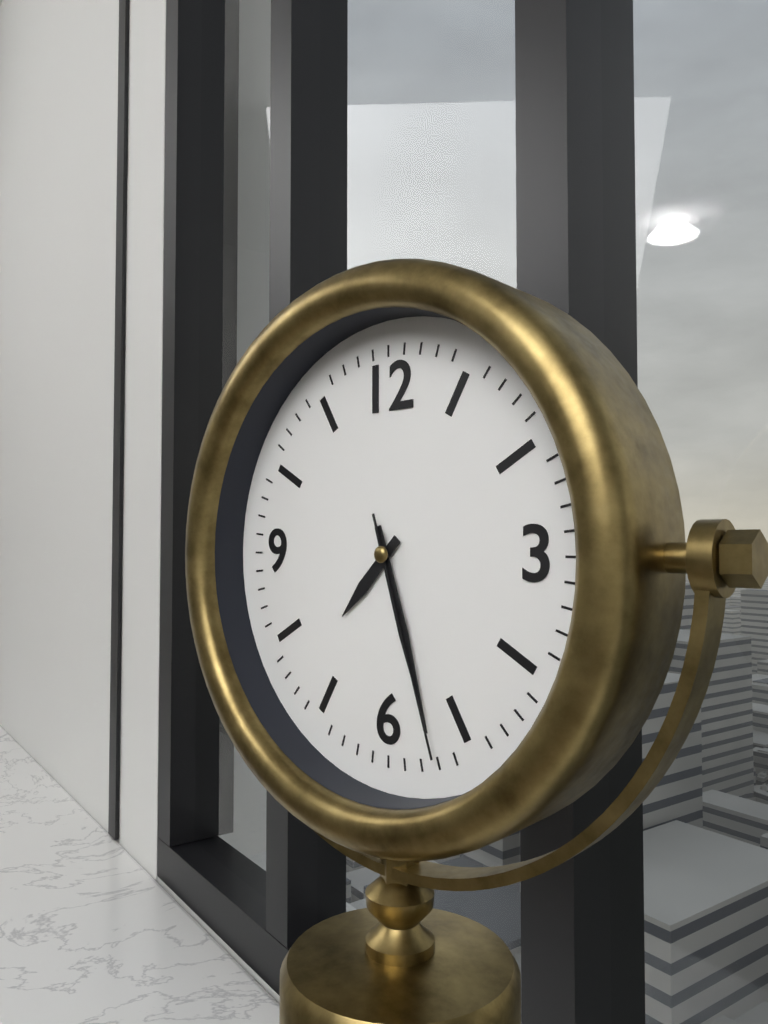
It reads 7h27m27s
